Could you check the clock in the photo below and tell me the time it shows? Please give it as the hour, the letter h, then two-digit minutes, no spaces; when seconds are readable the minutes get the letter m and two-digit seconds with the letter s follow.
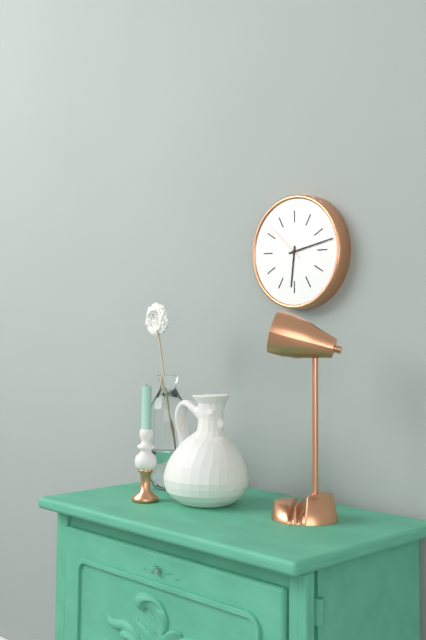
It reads 6h13m52s
